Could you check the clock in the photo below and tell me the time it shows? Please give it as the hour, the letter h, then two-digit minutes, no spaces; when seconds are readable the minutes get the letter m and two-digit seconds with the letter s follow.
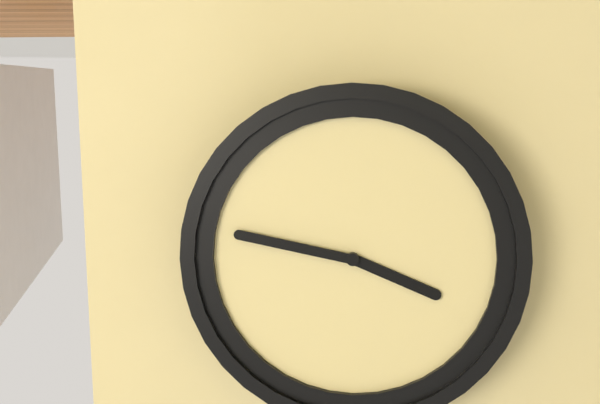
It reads 3h47
